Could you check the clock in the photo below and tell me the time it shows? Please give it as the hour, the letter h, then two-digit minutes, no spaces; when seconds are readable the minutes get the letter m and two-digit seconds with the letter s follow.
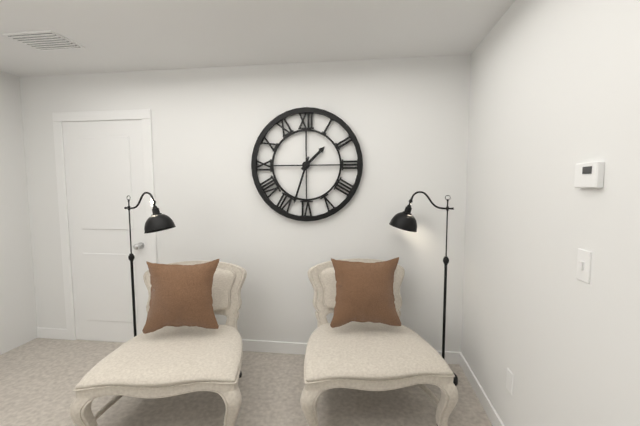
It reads 1h33
